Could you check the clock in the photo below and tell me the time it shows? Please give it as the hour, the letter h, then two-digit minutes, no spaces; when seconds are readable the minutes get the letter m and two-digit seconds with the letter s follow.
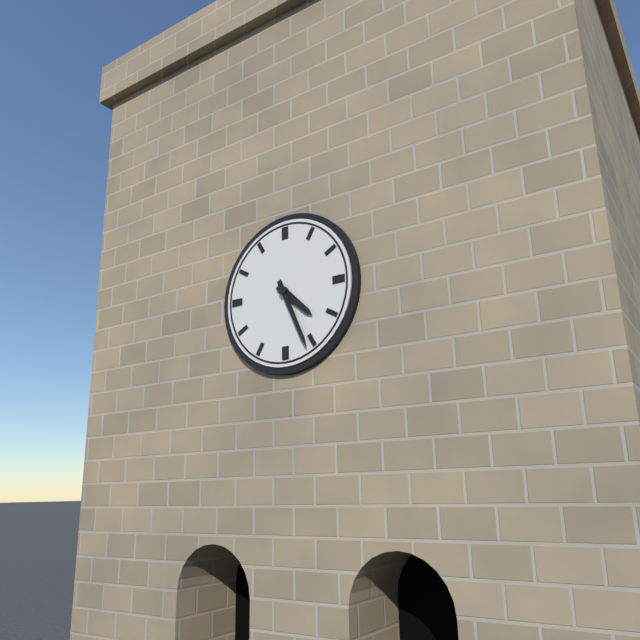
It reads 4h26
